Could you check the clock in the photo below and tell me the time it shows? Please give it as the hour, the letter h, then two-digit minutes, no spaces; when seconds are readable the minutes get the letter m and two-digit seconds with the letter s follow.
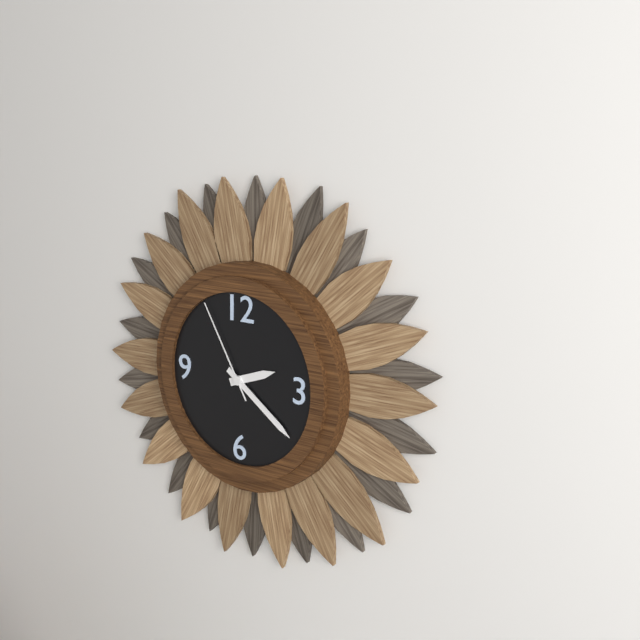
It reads 2h21m55s
